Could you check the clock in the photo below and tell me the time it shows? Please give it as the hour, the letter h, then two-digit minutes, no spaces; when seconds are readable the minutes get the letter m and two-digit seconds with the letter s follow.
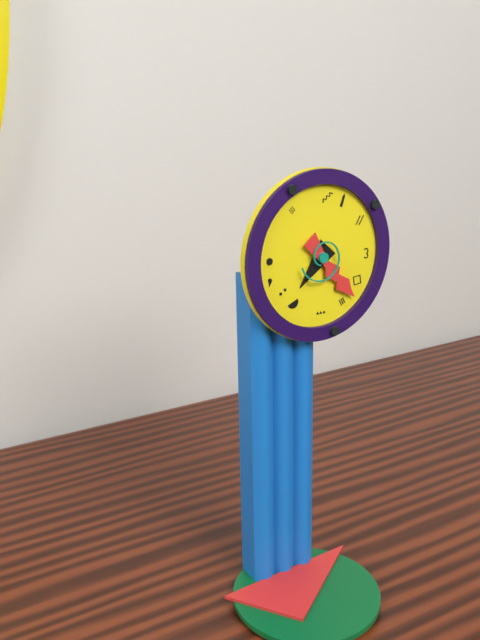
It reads 7h23
